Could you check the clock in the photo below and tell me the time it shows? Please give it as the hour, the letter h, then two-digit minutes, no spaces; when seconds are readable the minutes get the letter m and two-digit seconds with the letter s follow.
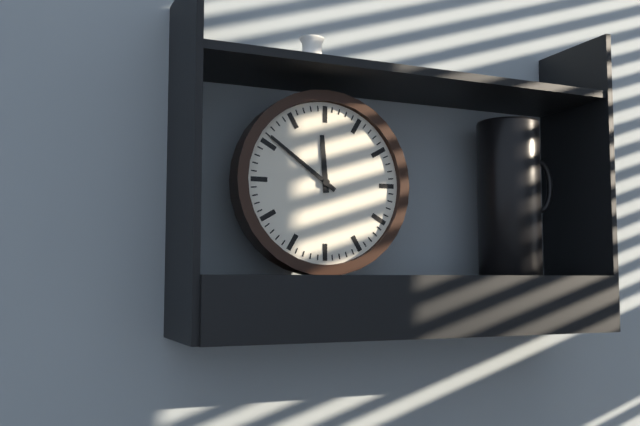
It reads 11h51
